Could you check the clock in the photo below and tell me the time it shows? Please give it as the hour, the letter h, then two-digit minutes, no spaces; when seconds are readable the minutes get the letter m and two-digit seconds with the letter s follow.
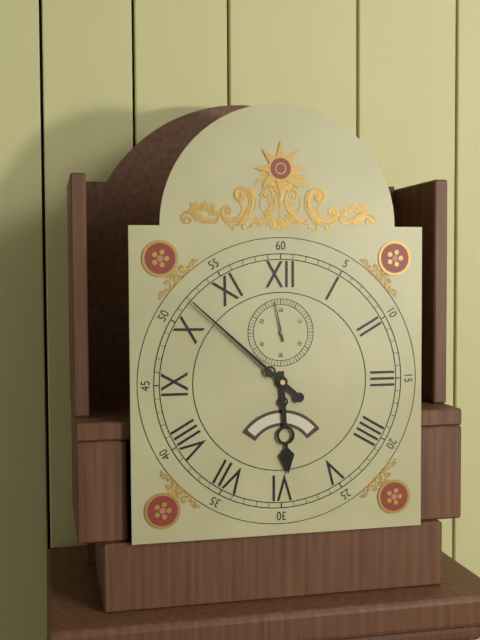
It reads 5h52
